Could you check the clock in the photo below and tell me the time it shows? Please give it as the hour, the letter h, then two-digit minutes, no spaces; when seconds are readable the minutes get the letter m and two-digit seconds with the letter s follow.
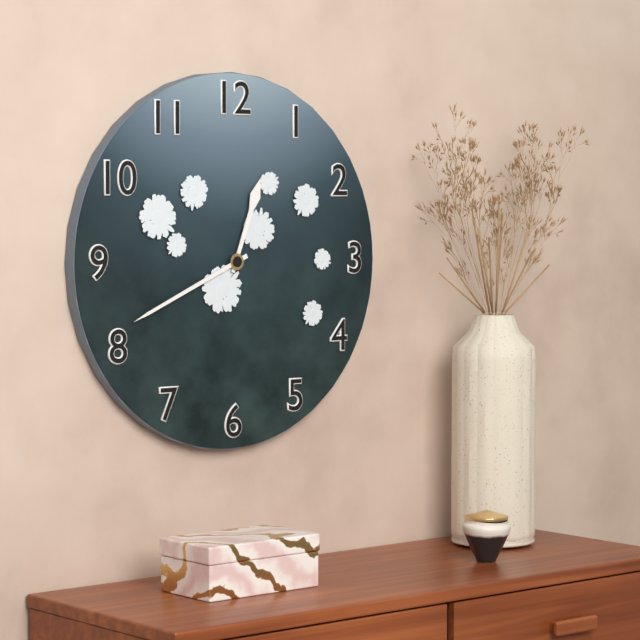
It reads 12h41
